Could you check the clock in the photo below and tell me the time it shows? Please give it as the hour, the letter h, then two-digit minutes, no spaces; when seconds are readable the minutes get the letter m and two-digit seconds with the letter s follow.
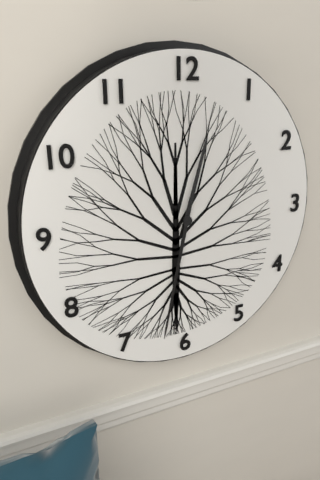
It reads 12h32
